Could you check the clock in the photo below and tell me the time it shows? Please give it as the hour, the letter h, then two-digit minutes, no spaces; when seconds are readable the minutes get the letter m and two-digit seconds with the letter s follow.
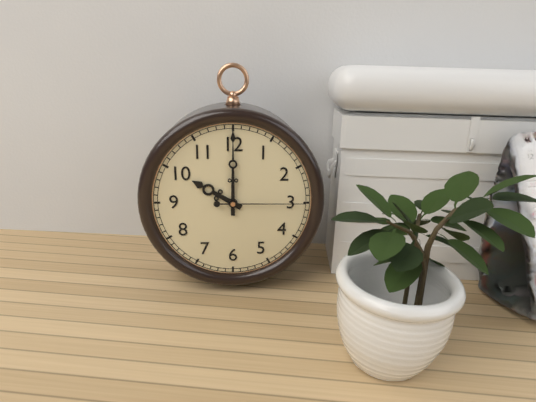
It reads 10h00m15s
